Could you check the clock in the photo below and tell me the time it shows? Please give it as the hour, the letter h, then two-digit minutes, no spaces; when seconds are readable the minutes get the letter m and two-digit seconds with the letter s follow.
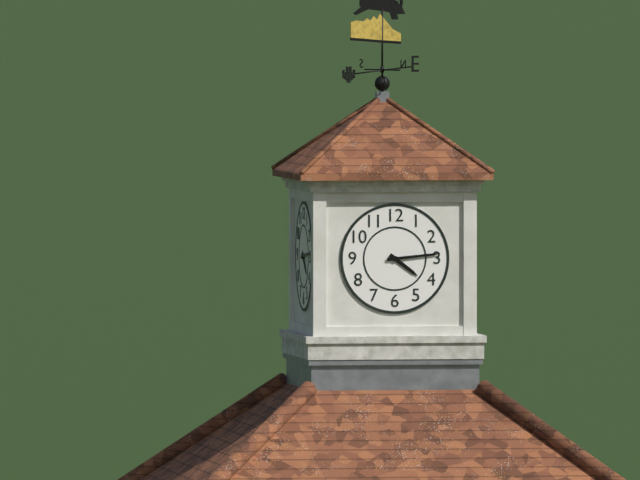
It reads 4h14
